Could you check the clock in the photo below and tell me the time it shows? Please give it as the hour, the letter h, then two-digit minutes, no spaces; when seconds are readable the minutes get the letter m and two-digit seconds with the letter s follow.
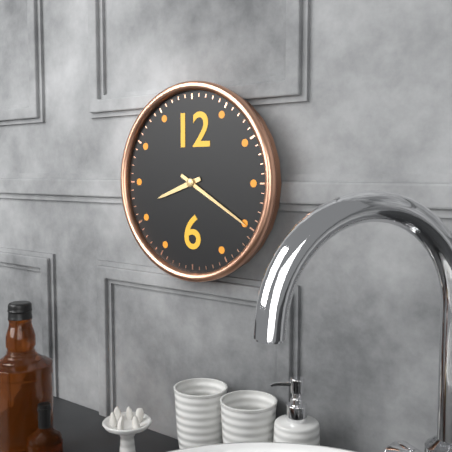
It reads 8h20
